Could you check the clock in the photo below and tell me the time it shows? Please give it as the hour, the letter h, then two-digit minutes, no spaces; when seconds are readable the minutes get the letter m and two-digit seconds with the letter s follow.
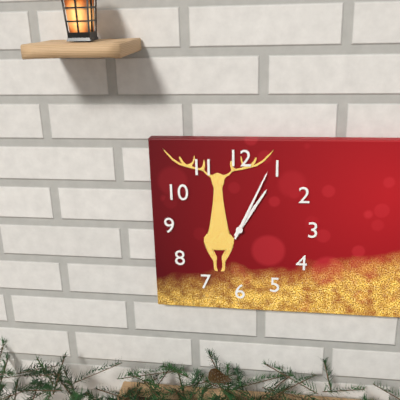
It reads 1h04
